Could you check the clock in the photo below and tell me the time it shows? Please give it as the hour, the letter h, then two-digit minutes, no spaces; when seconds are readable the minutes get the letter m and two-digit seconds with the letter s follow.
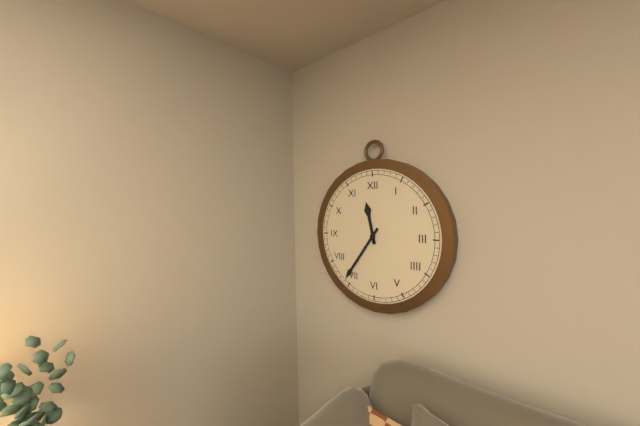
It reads 11h36
